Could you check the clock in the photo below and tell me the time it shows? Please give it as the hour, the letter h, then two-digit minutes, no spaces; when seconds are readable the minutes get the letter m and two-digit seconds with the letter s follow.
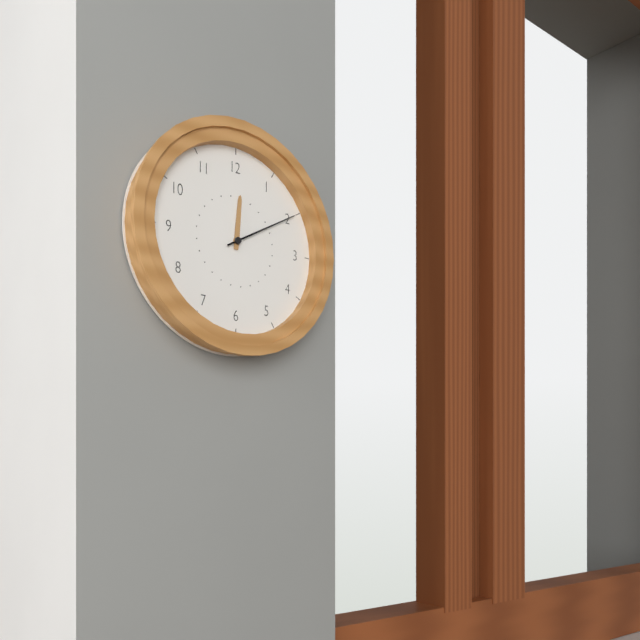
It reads 12h10
